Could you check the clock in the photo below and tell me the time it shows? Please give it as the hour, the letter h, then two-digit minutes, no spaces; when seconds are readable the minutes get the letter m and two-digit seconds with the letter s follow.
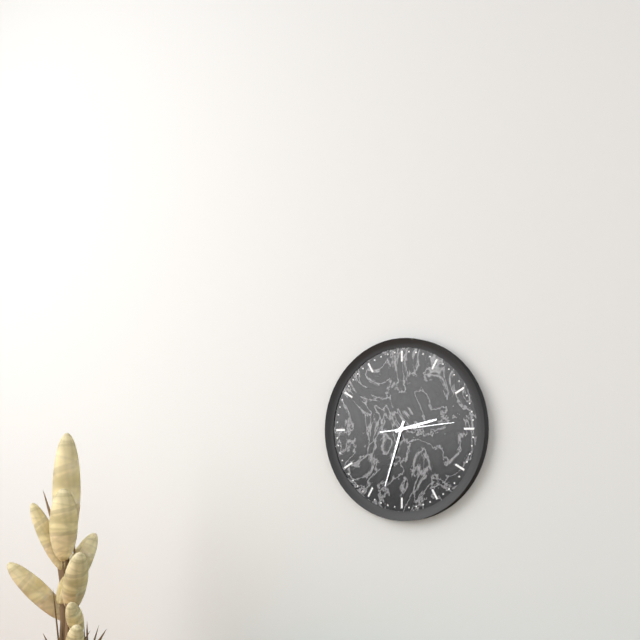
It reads 2h33m14s
